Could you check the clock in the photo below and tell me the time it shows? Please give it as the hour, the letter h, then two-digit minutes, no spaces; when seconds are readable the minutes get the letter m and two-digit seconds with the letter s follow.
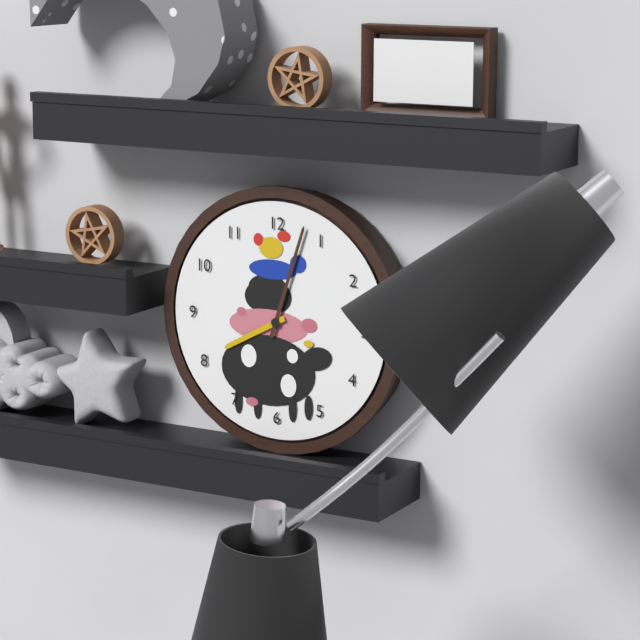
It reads 8h03
